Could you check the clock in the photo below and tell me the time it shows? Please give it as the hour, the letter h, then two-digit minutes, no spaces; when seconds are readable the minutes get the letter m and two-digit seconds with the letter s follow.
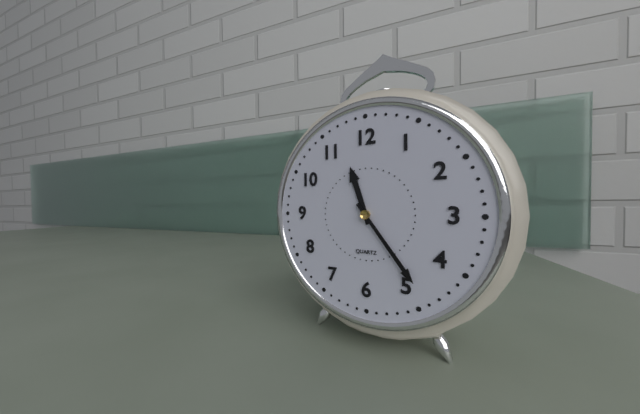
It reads 11h24
